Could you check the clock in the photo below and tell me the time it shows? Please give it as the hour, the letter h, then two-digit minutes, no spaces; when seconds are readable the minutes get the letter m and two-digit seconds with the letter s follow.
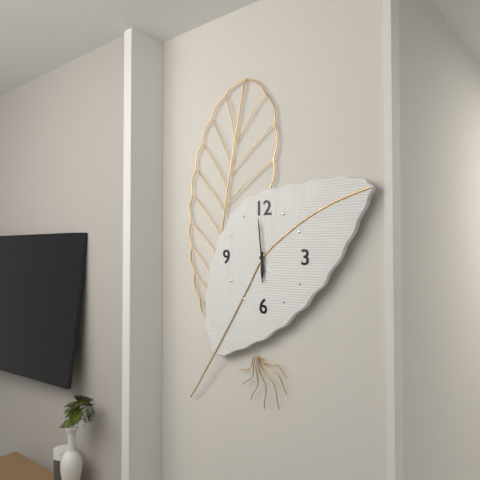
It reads 5h59
